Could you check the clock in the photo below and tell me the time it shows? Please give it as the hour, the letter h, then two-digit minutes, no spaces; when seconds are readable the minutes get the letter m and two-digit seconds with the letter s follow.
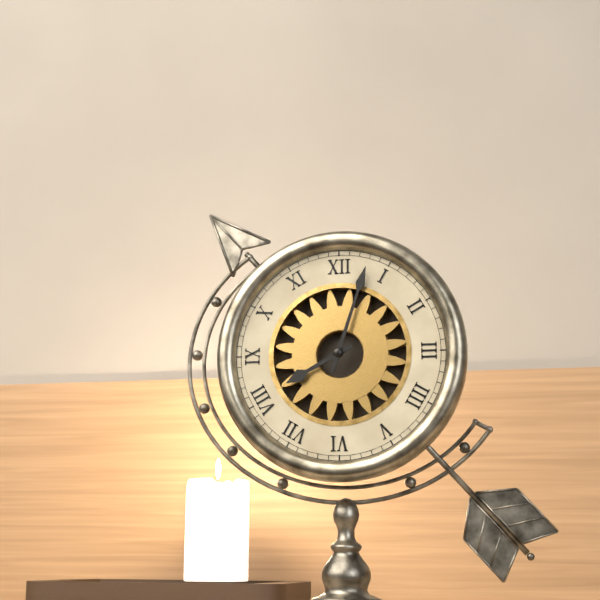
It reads 8h03
